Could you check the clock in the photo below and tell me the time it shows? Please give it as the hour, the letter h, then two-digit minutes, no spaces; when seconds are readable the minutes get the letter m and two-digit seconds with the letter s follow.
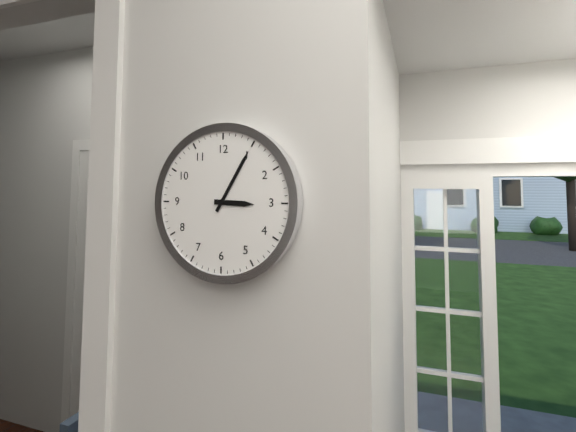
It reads 3h05
